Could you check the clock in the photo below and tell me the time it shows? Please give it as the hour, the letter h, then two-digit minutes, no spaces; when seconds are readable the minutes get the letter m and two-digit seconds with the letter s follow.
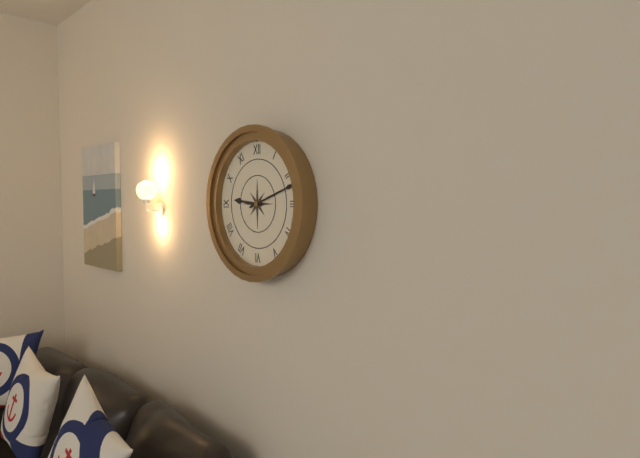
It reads 9h12
